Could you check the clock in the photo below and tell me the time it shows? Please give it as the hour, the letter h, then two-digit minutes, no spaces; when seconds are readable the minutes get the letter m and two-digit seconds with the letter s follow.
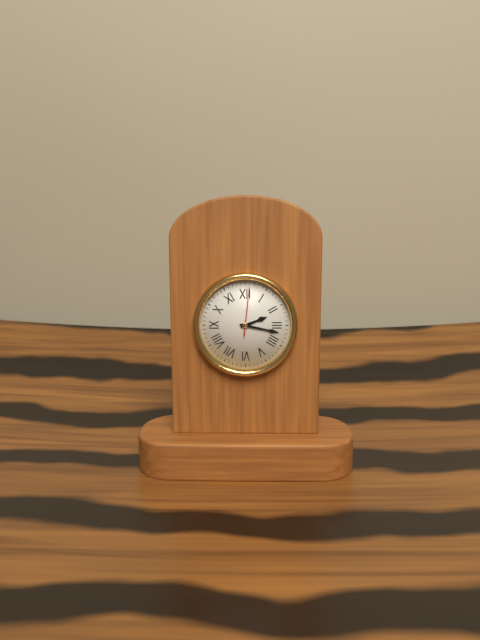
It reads 2h17
